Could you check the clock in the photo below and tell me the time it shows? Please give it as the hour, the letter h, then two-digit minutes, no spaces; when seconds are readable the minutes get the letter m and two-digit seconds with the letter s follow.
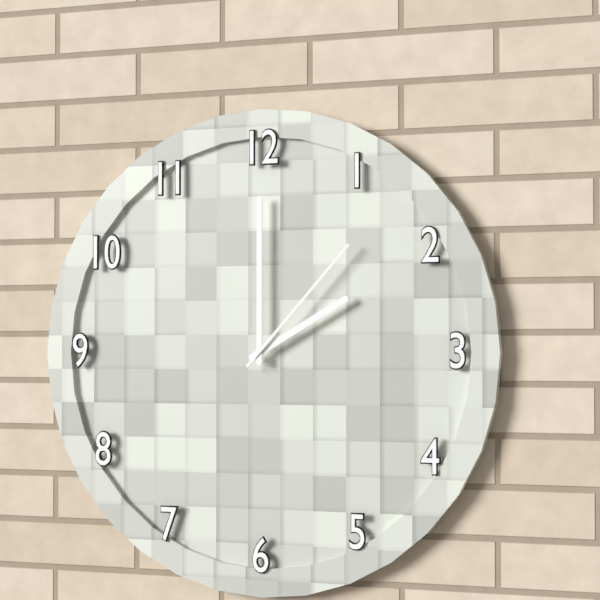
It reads 2h00m07s
